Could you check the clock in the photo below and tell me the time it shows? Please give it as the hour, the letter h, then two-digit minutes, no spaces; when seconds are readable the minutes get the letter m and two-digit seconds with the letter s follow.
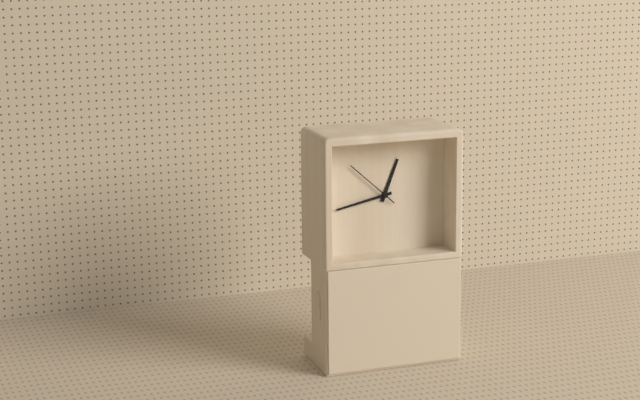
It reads 12h43m52s
